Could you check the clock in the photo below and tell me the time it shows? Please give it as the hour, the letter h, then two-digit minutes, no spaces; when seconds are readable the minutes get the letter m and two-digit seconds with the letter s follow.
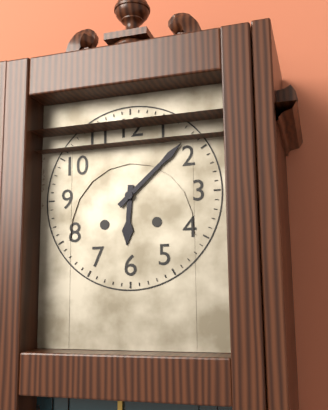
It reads 6h08
